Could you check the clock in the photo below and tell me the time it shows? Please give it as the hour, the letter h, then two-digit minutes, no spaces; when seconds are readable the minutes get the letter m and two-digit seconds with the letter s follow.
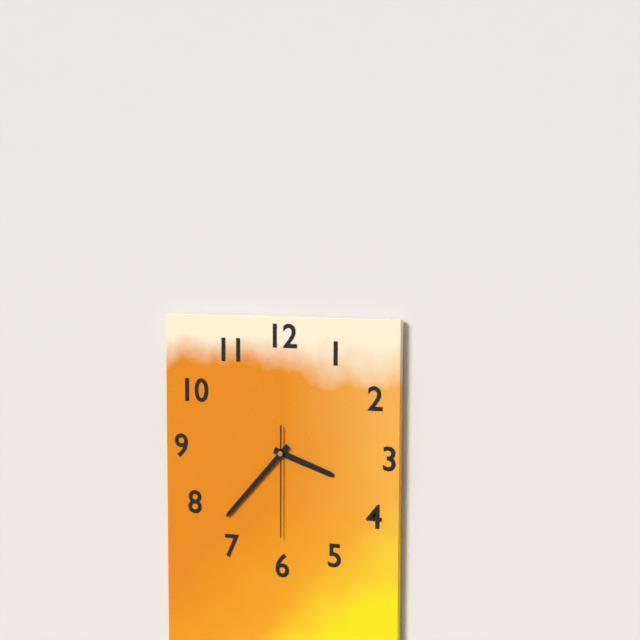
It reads 3h37m30s
